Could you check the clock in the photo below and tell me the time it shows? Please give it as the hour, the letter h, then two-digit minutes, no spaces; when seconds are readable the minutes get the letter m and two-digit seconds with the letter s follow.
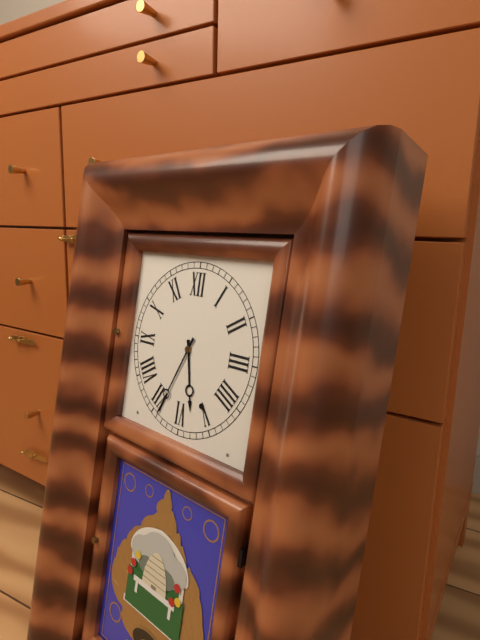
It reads 5h34
